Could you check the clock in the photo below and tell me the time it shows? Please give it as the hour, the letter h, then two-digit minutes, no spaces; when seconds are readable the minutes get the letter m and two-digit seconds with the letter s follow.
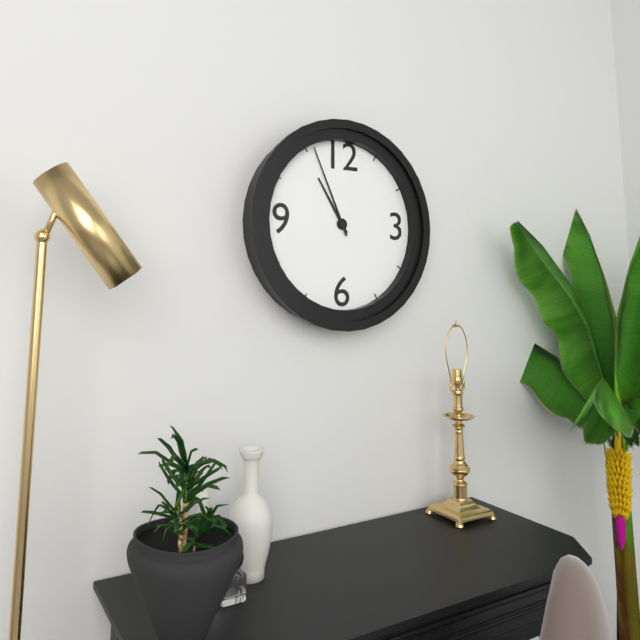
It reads 10h56
